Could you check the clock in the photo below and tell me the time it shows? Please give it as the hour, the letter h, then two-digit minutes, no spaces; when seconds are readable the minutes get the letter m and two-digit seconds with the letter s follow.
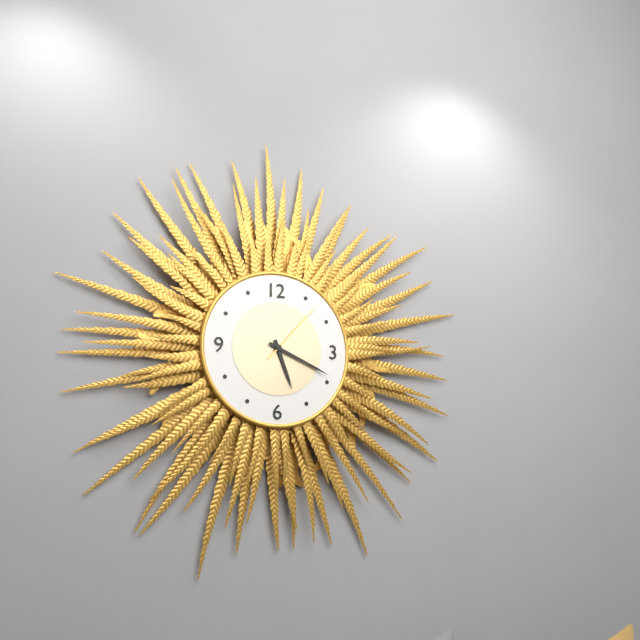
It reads 5h19m07s
